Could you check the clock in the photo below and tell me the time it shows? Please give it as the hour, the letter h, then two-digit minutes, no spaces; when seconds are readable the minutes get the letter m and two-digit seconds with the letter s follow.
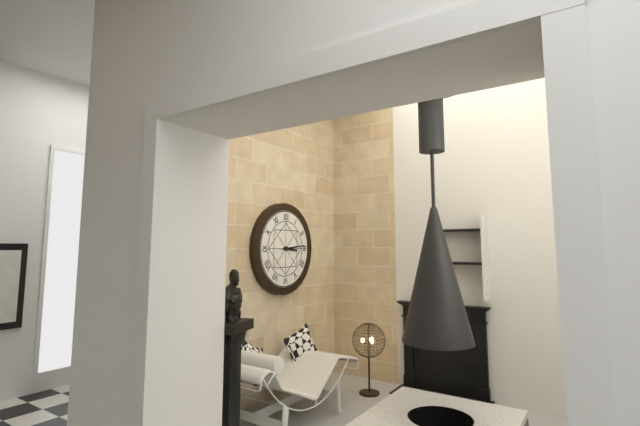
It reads 3h14
